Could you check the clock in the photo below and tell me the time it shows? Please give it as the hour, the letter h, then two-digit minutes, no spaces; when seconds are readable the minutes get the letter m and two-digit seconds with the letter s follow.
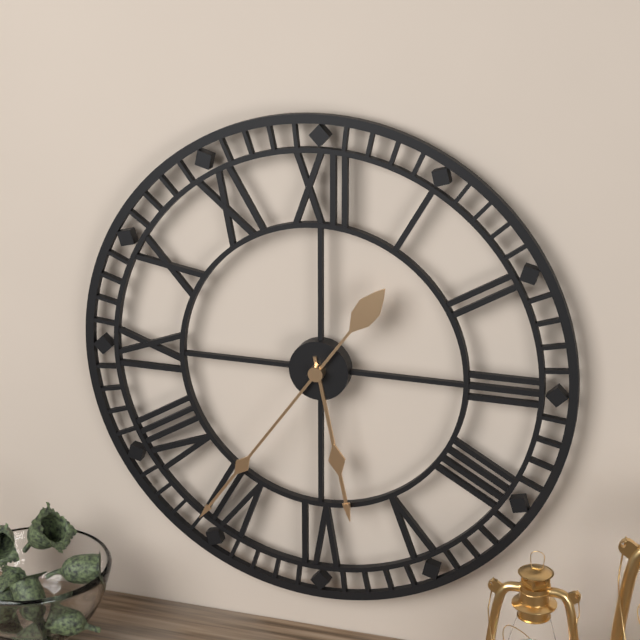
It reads 5h36
